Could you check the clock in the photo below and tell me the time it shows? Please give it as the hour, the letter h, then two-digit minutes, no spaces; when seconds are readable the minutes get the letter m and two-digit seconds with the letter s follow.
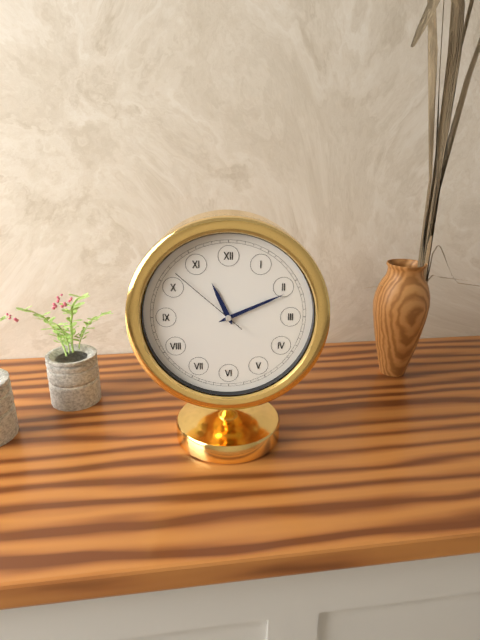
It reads 11h11m52s
